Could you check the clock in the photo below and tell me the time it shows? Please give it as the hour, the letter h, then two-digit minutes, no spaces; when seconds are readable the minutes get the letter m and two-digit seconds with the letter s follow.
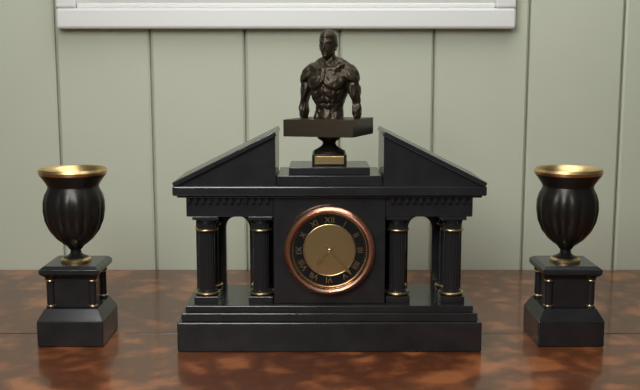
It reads 7h23
